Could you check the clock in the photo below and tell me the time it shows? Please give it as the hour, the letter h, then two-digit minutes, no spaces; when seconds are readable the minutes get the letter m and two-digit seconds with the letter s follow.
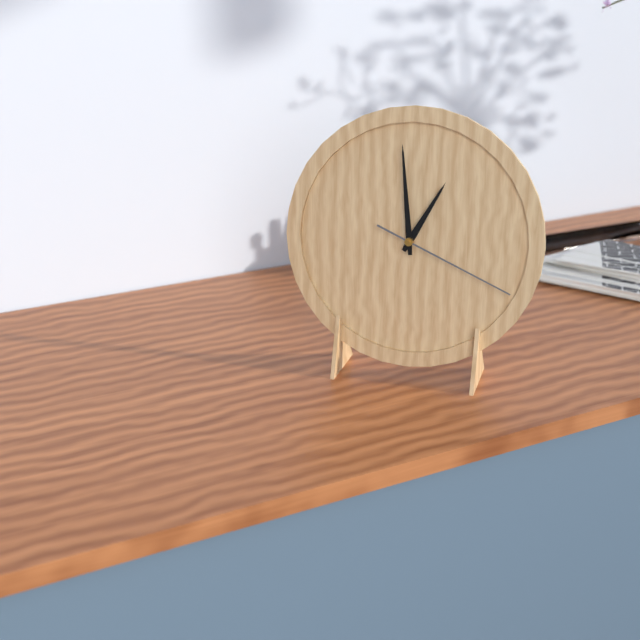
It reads 12h59m19s
